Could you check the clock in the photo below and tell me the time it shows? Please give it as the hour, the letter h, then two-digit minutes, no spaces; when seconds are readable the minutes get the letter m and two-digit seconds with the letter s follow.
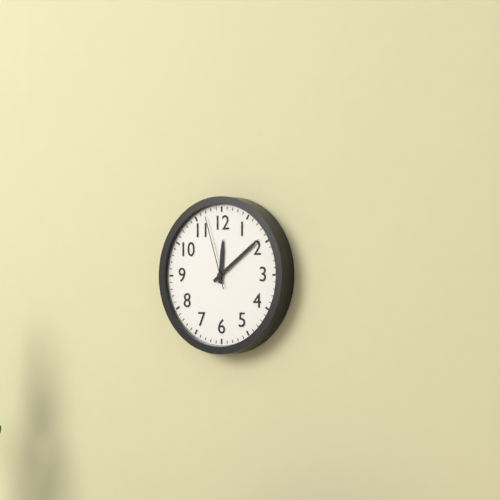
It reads 12h09m57s
